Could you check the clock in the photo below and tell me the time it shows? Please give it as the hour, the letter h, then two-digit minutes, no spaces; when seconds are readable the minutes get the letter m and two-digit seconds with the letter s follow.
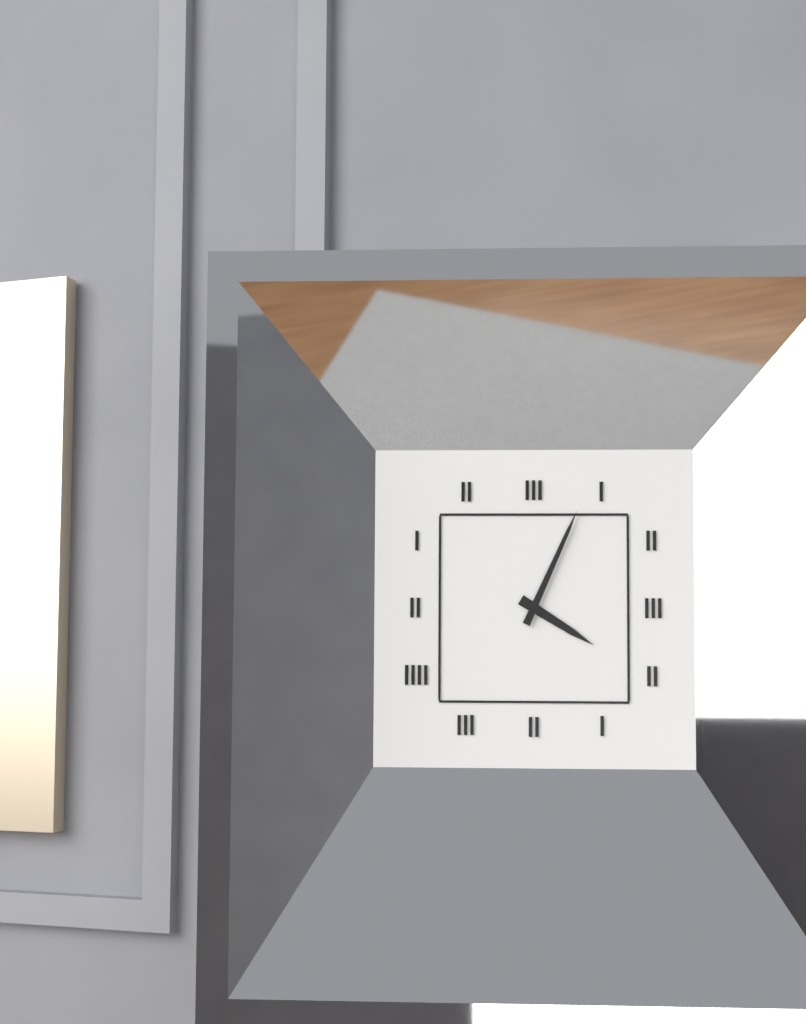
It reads 4h04
